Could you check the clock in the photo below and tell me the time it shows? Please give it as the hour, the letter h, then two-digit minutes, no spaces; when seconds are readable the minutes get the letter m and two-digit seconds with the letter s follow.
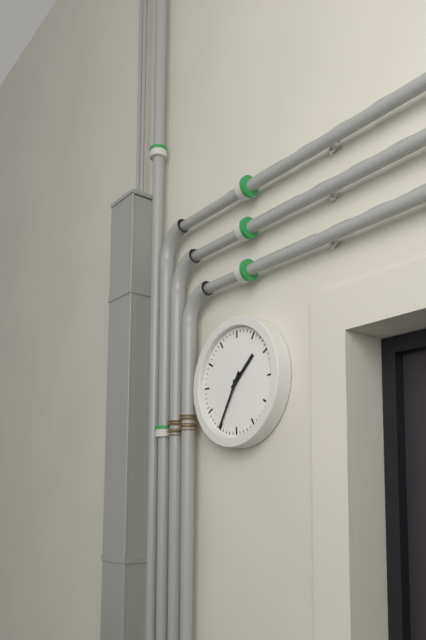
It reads 1h35
